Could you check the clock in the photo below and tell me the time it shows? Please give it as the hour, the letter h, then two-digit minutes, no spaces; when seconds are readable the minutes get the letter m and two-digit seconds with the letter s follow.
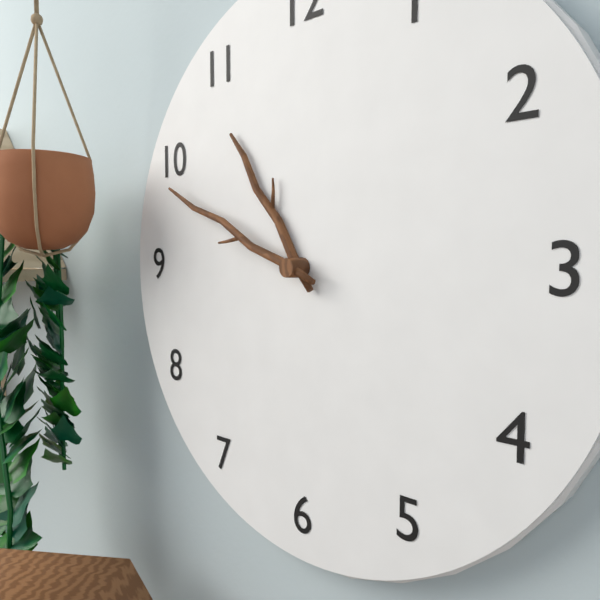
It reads 10h49
